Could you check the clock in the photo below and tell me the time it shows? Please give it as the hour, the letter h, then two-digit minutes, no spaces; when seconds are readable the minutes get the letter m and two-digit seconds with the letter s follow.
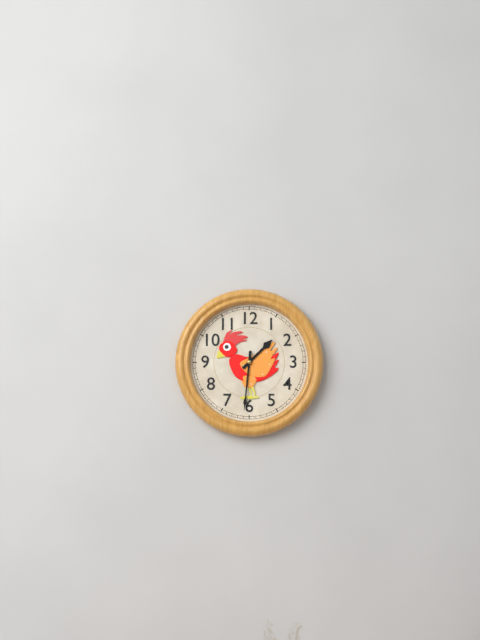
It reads 1h31
